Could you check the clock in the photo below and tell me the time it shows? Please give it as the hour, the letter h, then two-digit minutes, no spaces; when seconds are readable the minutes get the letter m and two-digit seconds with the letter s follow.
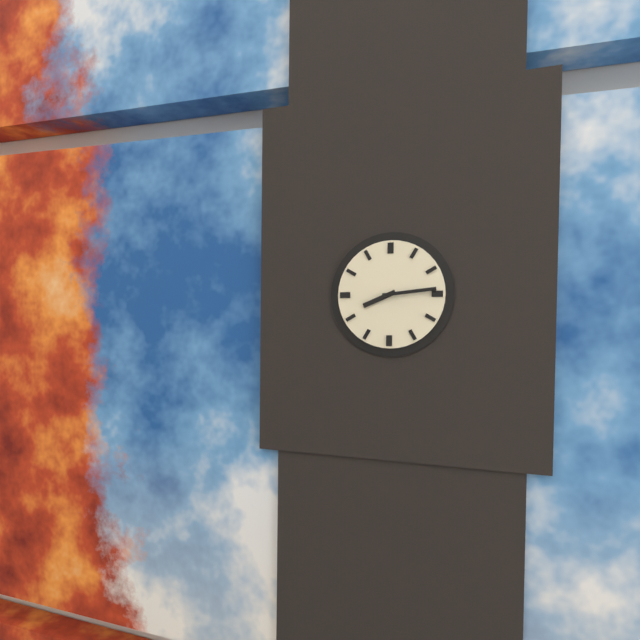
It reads 8h14
